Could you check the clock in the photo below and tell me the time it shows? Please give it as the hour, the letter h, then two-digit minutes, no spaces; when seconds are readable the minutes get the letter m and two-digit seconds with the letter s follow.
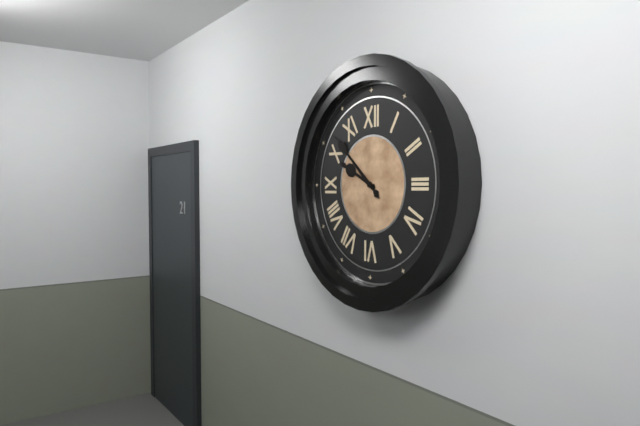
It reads 9h52
